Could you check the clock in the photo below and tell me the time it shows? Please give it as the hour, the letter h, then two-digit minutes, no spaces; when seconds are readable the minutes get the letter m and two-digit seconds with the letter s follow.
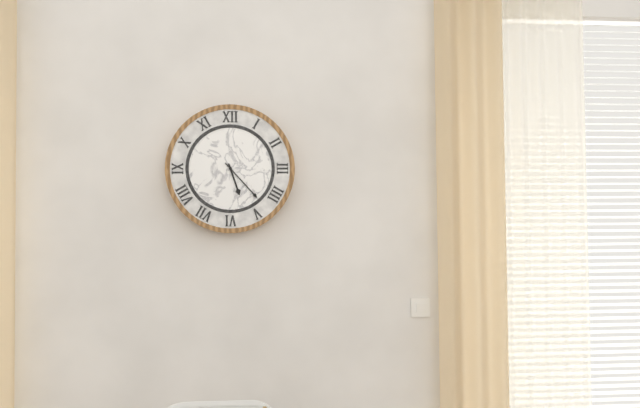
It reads 5h23
